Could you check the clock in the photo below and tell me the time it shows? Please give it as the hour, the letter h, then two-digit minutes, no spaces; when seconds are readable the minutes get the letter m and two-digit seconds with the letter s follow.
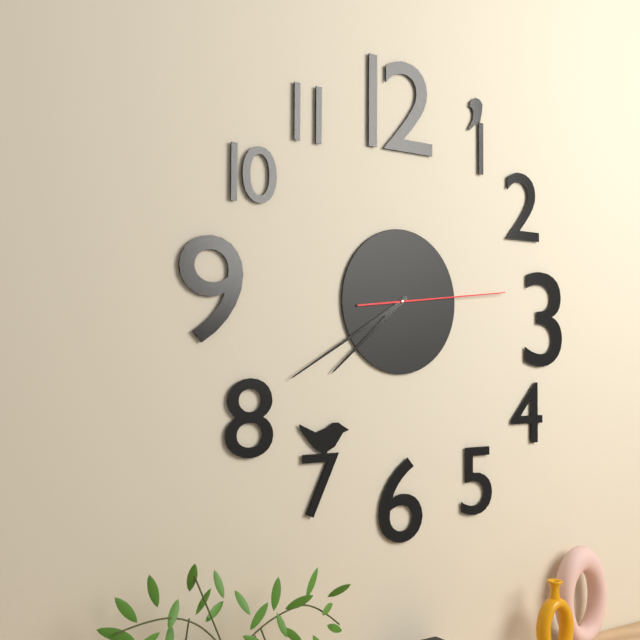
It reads 7h40m14s
